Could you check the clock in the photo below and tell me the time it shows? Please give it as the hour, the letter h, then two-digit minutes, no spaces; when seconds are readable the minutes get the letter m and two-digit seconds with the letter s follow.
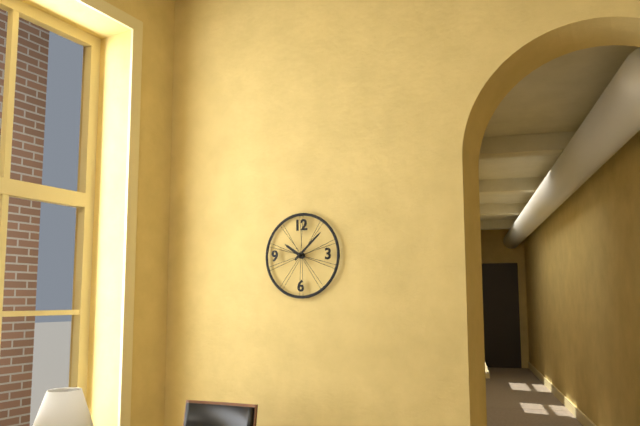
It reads 10h08
